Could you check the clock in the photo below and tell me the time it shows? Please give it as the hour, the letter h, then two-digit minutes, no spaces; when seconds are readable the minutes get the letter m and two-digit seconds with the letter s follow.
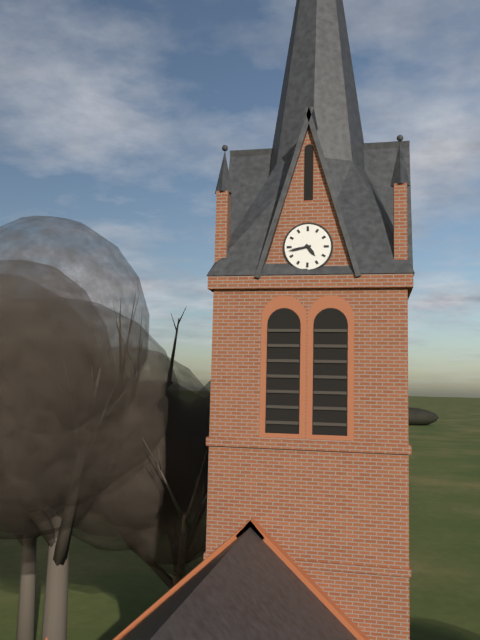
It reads 4h43
